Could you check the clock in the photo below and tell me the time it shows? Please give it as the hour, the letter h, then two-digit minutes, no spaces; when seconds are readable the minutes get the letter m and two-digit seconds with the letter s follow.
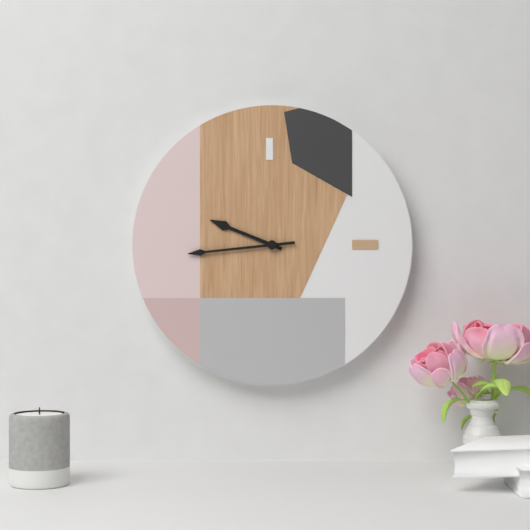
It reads 9h44
